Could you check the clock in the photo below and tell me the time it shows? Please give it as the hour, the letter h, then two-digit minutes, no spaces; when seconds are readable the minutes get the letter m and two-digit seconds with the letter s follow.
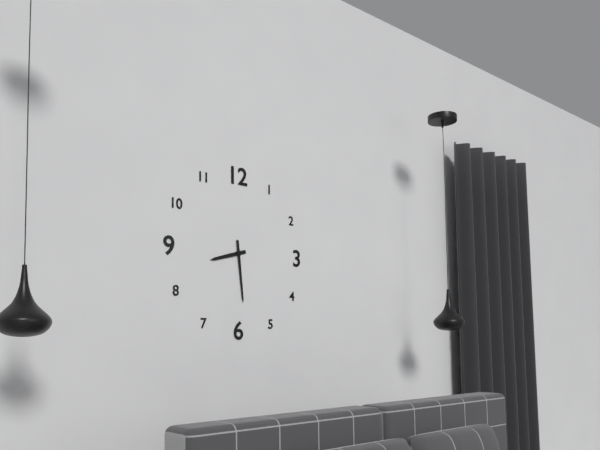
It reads 8h29
